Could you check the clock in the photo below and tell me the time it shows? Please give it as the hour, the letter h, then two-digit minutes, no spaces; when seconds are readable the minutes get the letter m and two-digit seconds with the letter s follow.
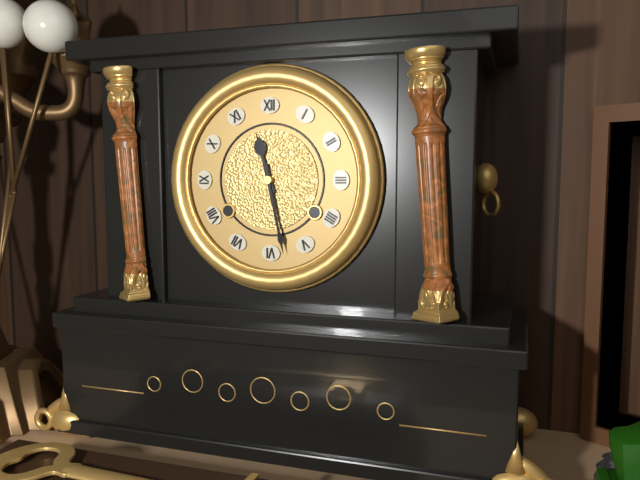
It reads 11h28
